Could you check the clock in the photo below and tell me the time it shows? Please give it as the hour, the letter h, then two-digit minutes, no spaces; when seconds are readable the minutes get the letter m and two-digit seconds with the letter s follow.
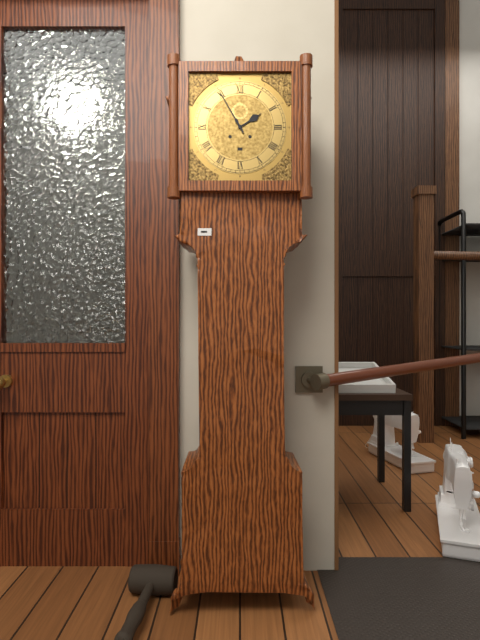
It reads 1h55
